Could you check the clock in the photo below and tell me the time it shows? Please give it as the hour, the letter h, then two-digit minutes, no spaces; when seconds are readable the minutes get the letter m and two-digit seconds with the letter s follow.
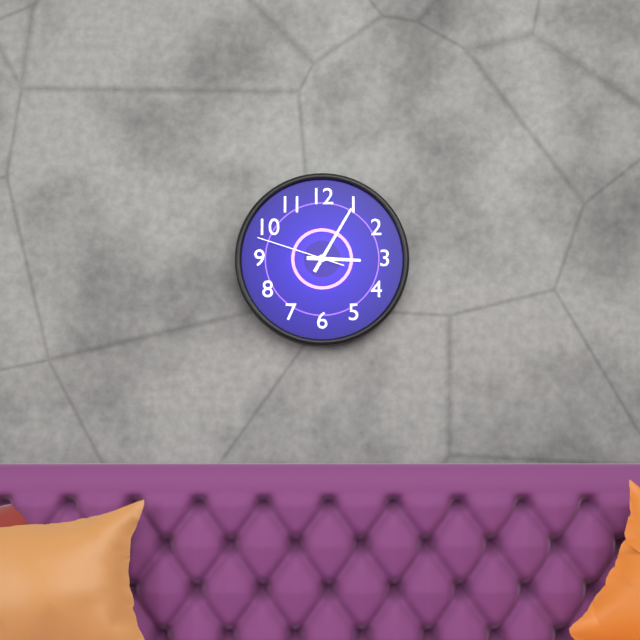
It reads 3h05m48s
